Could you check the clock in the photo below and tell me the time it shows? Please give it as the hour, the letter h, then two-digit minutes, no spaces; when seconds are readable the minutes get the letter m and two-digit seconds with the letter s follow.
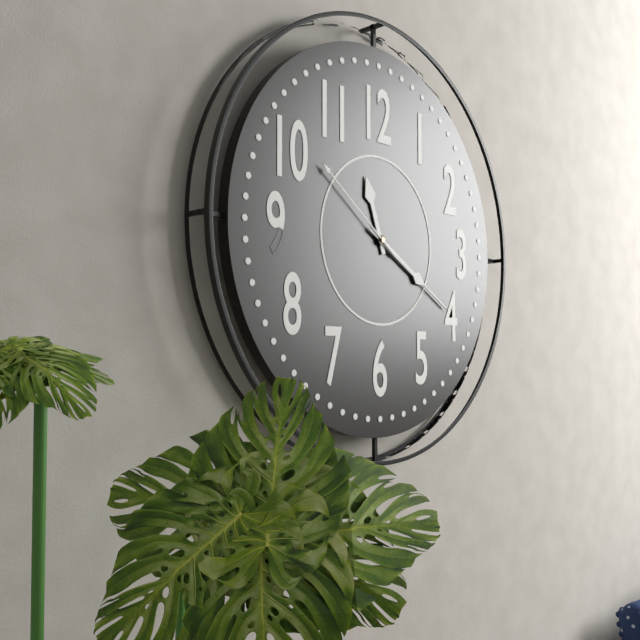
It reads 11h20m51s
